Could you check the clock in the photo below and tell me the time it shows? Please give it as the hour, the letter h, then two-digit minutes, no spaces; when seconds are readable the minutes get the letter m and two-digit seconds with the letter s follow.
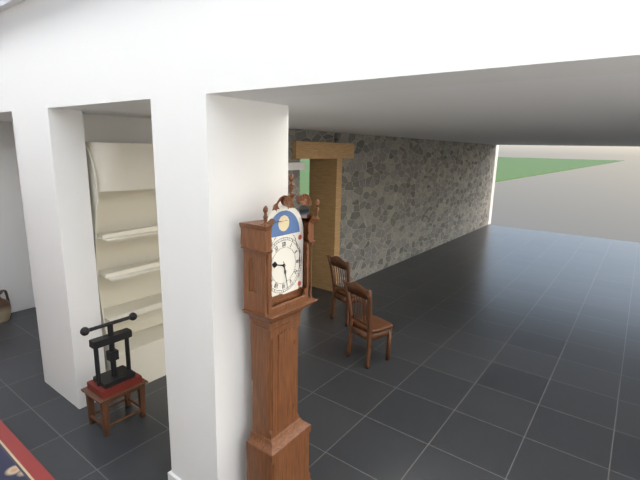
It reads 9h28
